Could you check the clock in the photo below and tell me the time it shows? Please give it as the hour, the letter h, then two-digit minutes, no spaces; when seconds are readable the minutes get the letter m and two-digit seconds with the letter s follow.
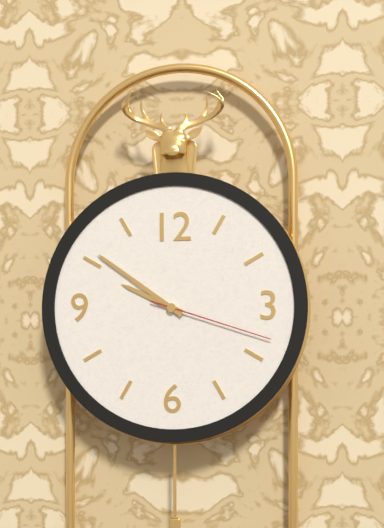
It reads 9h51m18s
